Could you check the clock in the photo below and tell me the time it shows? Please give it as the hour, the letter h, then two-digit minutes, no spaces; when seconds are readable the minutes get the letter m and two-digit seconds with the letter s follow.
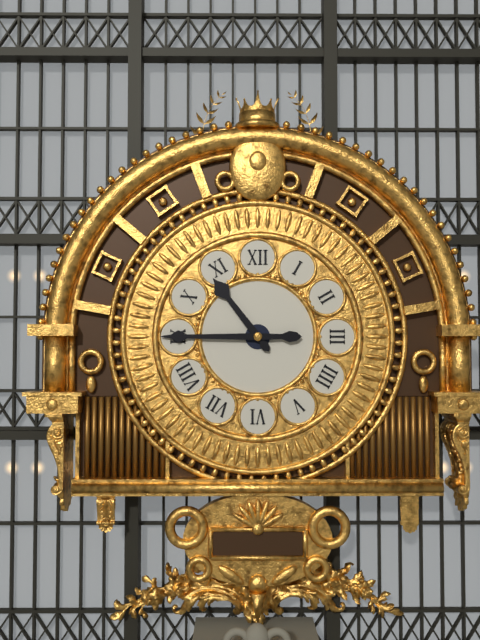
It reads 10h45
